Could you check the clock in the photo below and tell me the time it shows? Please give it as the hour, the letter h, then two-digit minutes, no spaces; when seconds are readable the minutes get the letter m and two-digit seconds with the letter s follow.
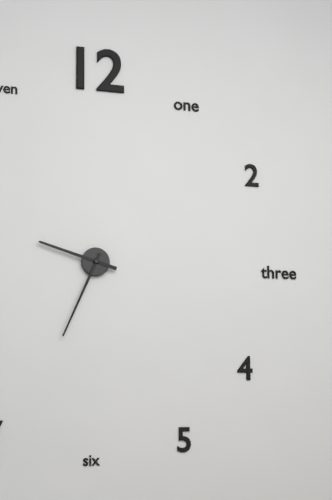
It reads 9h34
